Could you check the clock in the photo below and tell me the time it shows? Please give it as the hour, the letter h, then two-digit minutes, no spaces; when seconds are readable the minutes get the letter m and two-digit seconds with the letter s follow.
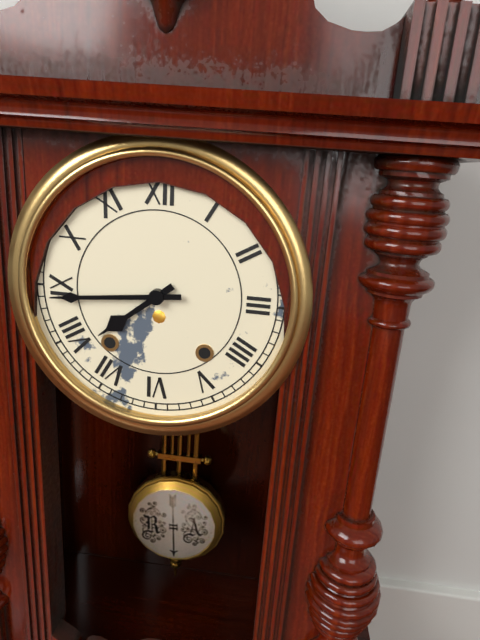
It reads 7h44
